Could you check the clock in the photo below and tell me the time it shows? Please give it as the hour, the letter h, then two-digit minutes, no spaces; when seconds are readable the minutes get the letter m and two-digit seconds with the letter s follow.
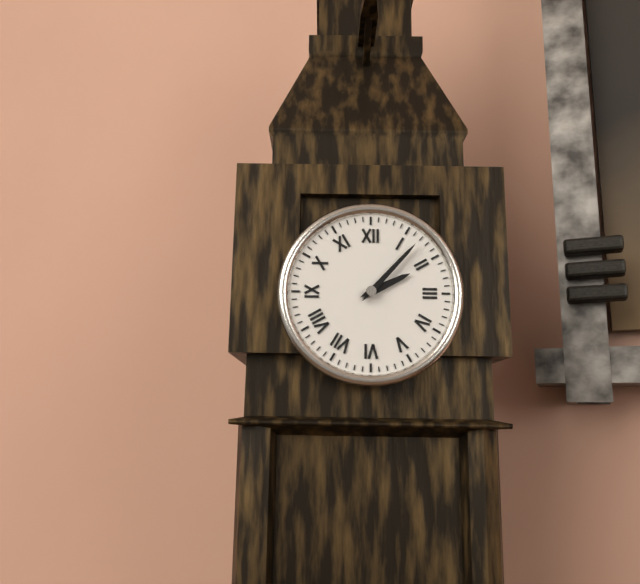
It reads 2h07
